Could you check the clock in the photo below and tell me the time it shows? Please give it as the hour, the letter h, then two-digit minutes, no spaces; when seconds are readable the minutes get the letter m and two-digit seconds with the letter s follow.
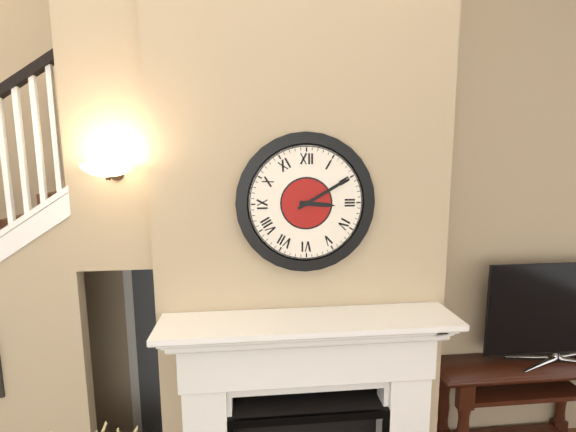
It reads 3h10
